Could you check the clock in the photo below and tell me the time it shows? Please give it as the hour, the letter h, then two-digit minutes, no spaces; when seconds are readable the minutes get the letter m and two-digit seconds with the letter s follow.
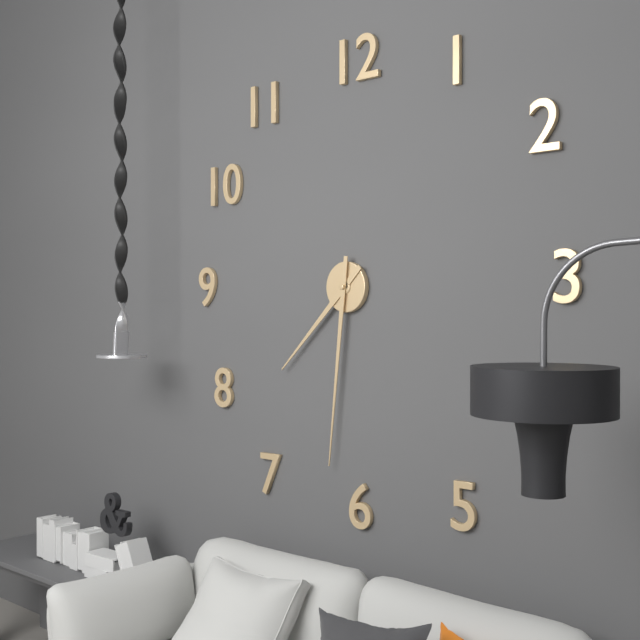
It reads 7h31
